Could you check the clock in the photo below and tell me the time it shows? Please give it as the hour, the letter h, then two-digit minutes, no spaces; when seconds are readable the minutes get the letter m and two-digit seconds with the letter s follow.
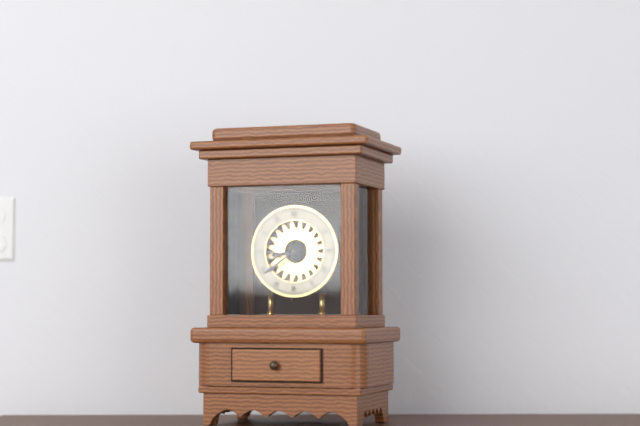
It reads 8h39
